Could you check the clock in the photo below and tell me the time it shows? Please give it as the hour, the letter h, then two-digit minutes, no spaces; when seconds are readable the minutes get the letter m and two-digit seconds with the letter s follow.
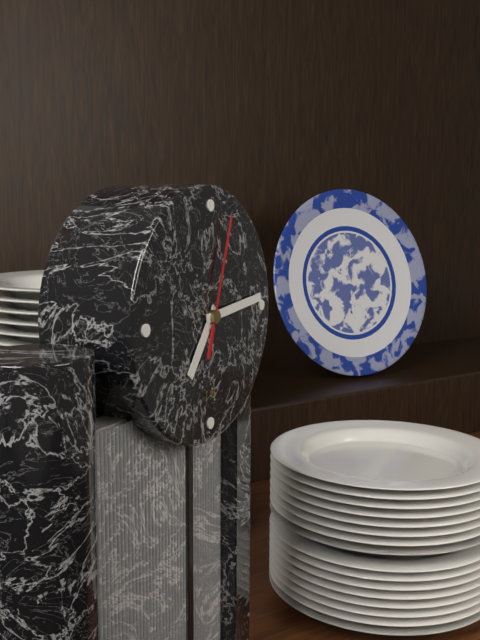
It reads 7h14m03s
